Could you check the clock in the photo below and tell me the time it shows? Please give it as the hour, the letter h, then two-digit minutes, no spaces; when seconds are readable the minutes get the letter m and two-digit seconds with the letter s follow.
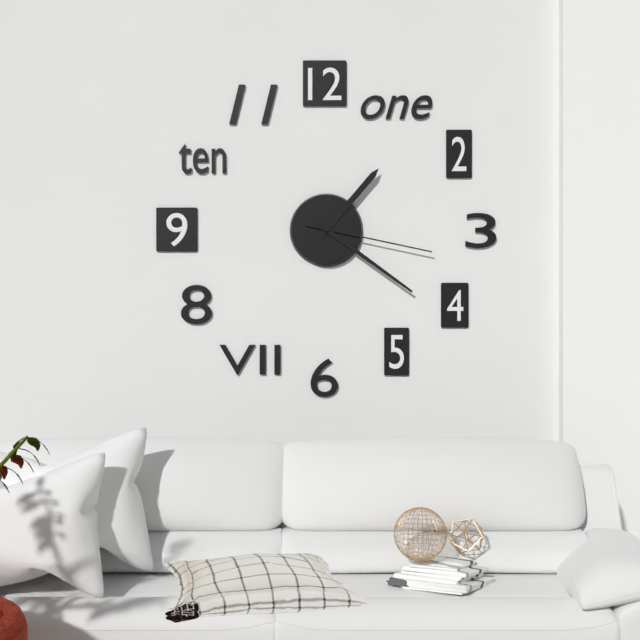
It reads 1h21m17s
